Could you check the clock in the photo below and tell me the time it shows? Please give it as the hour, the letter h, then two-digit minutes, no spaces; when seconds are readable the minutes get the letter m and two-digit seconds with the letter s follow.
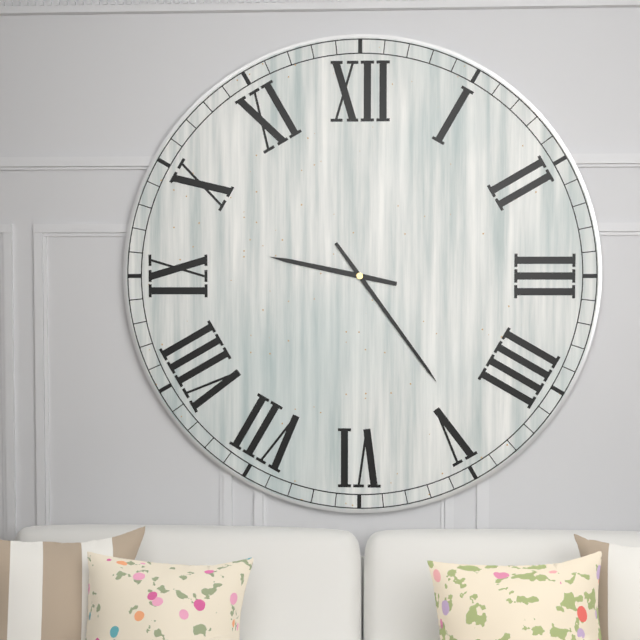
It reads 9h24
